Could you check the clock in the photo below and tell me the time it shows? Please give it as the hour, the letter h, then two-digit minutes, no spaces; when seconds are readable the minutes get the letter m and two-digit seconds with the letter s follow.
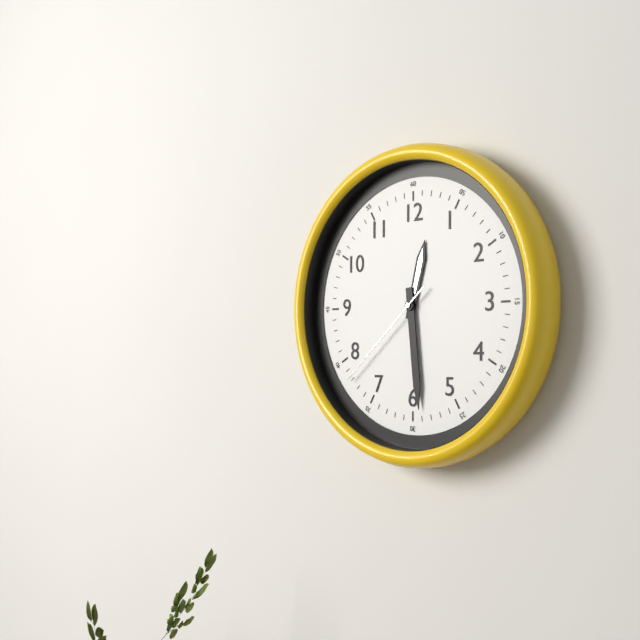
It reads 12h29m38s
